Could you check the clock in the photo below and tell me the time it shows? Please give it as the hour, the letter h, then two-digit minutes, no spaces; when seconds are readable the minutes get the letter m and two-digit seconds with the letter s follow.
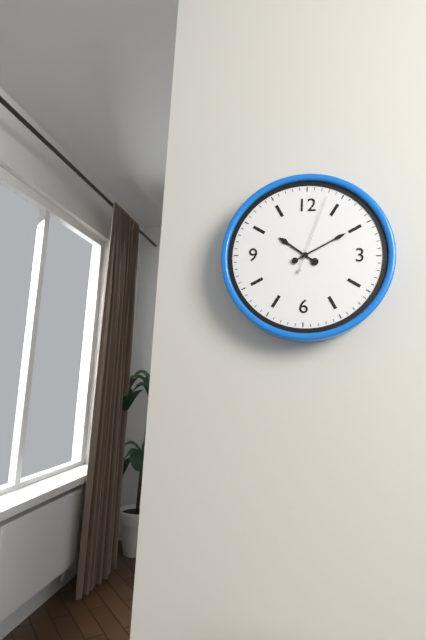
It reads 10h10m03s
